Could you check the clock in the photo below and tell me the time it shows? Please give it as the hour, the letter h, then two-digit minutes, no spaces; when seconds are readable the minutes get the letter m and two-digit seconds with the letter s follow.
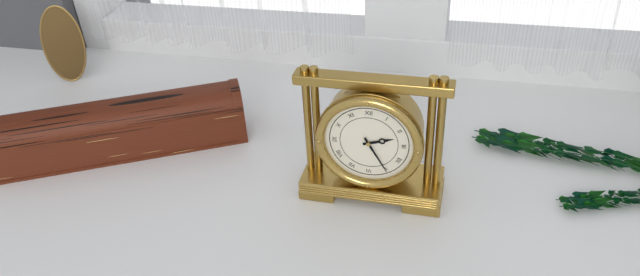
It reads 2h25
